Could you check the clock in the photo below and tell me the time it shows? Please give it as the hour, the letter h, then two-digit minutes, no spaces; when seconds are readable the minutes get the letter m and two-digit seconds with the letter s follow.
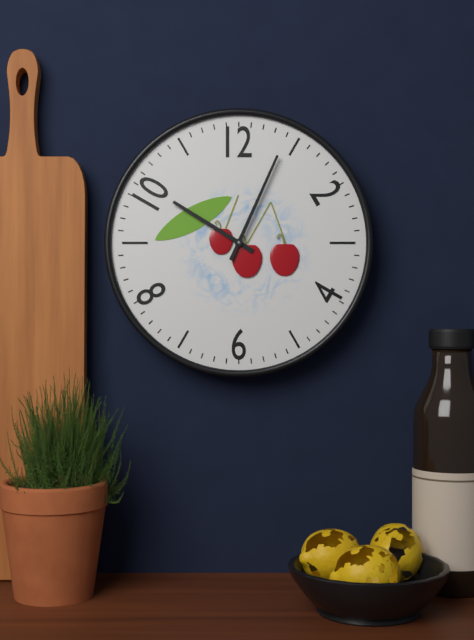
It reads 10h04
